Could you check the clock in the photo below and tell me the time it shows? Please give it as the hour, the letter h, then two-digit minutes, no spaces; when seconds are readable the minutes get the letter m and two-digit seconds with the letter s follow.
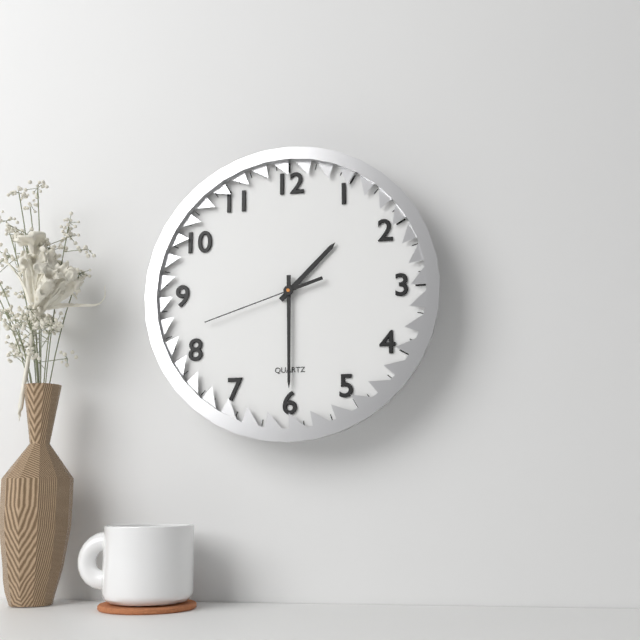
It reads 1h30m42s
